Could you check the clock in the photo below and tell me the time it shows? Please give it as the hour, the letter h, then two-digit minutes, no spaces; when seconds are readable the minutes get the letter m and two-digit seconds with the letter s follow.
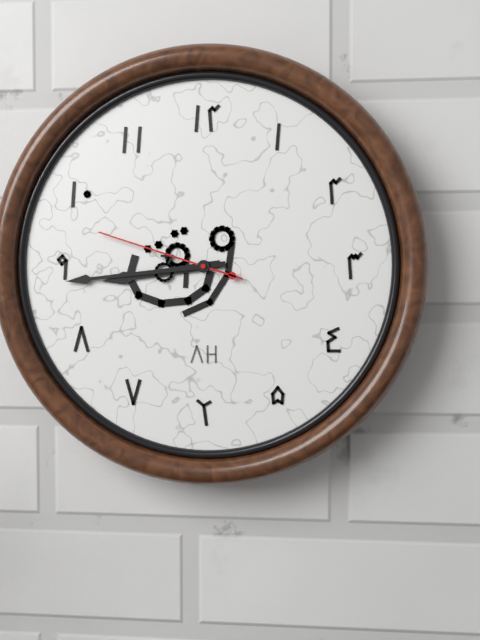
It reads 8h44m48s
